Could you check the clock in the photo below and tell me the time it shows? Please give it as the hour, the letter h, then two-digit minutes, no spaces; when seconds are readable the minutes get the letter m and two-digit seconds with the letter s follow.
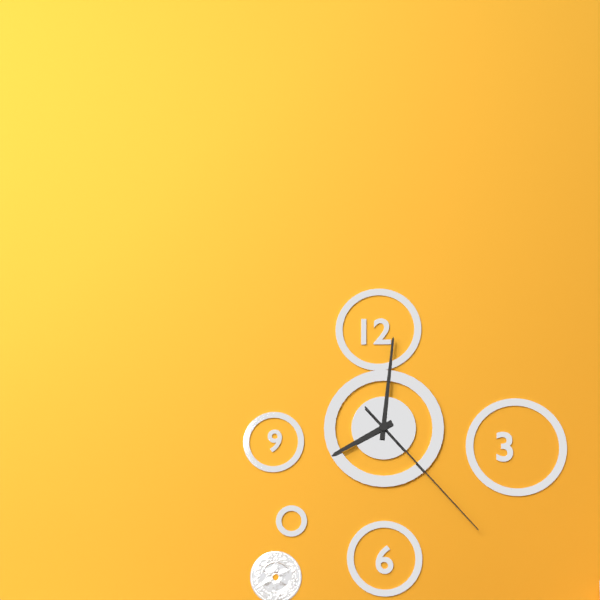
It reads 8h01m23s
